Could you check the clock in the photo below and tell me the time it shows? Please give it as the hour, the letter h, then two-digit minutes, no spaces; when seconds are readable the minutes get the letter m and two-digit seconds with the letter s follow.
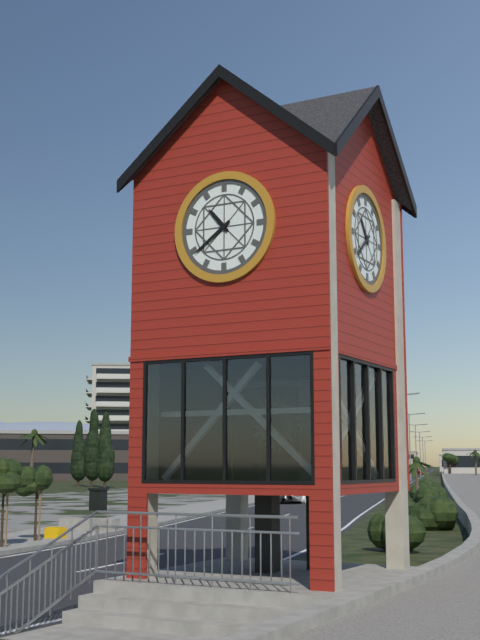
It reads 10h39
